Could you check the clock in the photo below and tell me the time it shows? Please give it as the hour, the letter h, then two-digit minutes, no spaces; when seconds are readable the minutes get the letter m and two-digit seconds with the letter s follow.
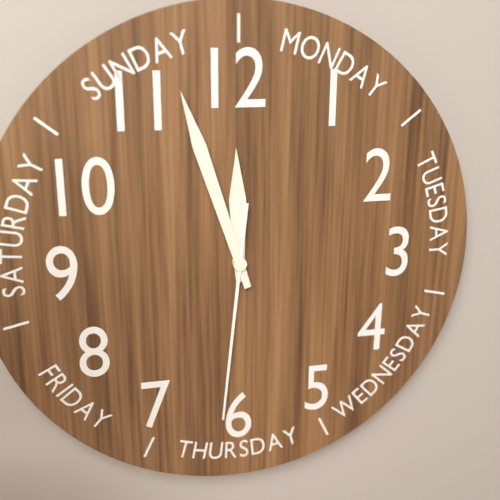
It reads 11h57m31s
